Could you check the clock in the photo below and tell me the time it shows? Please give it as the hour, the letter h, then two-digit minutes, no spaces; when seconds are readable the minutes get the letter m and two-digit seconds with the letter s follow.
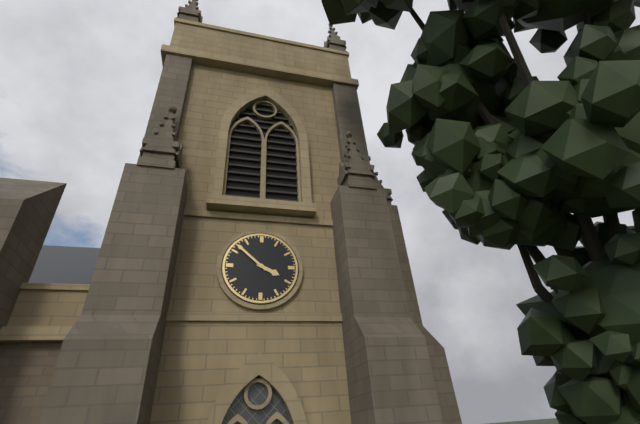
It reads 3h52
